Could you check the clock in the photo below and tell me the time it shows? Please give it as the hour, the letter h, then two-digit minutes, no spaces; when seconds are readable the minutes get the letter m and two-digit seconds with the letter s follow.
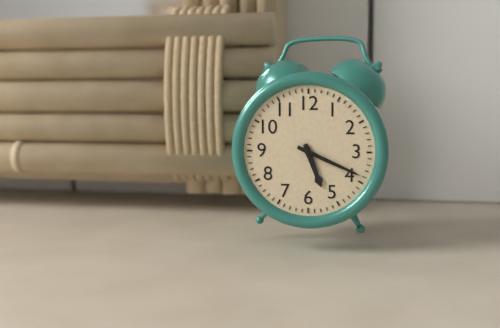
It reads 5h19
